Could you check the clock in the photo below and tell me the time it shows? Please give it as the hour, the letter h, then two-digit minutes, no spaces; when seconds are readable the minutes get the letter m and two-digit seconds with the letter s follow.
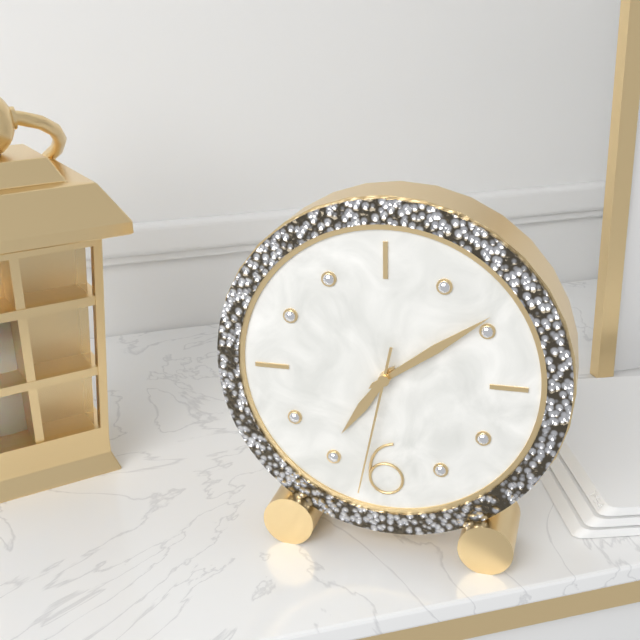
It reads 7h09m32s
